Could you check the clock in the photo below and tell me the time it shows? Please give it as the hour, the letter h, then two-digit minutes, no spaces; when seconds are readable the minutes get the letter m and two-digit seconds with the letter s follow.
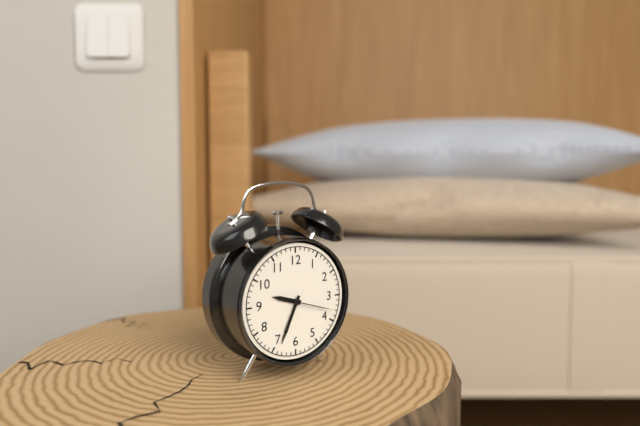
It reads 9h34
